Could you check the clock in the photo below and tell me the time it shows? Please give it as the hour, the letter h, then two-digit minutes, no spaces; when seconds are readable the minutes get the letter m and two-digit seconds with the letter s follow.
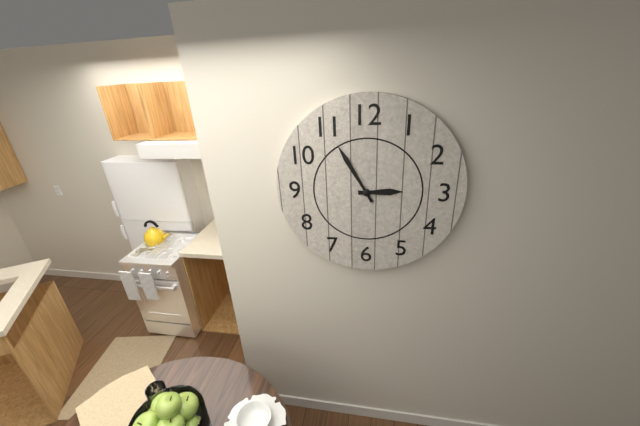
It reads 2h55
